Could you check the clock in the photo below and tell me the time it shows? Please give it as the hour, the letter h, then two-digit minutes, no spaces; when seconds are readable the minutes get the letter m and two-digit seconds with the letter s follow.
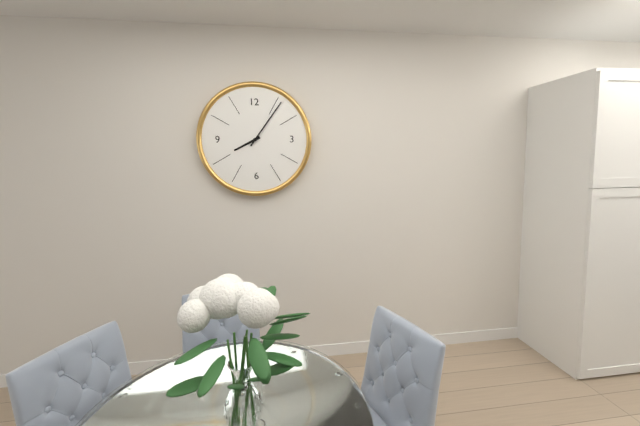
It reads 8h06
